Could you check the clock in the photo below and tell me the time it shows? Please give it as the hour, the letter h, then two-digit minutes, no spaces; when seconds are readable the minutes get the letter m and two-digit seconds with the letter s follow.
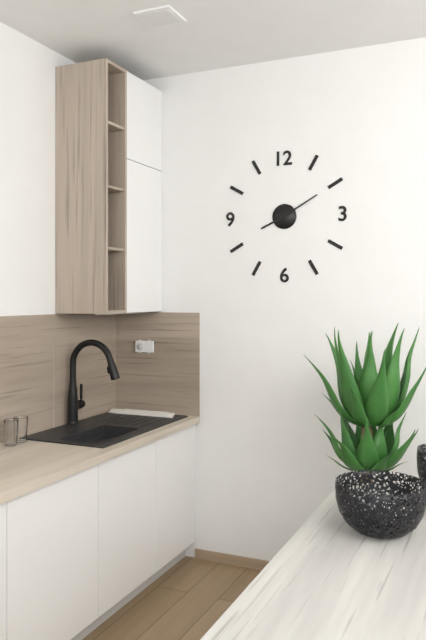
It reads 8h10
